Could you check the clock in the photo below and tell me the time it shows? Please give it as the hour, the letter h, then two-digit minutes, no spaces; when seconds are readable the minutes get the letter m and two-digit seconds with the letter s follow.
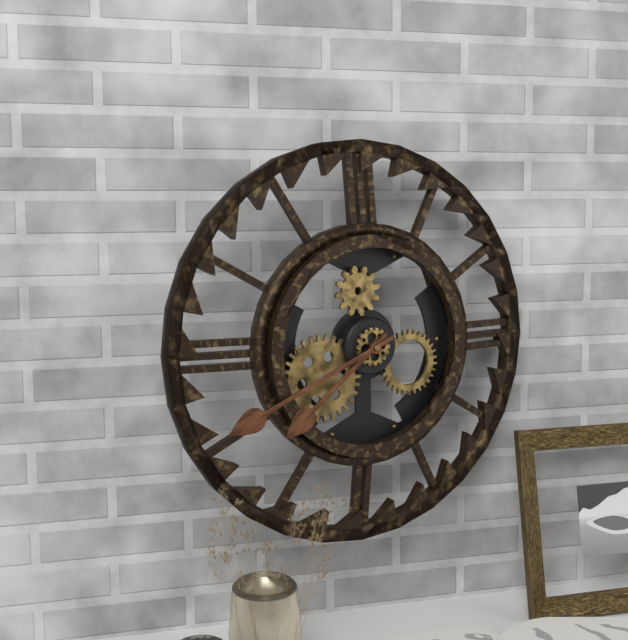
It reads 7h41
